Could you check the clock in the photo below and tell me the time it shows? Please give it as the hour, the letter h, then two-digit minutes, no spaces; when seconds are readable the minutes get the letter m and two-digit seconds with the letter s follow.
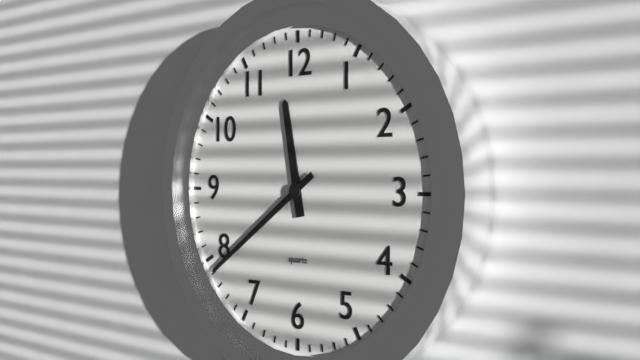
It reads 11h39
